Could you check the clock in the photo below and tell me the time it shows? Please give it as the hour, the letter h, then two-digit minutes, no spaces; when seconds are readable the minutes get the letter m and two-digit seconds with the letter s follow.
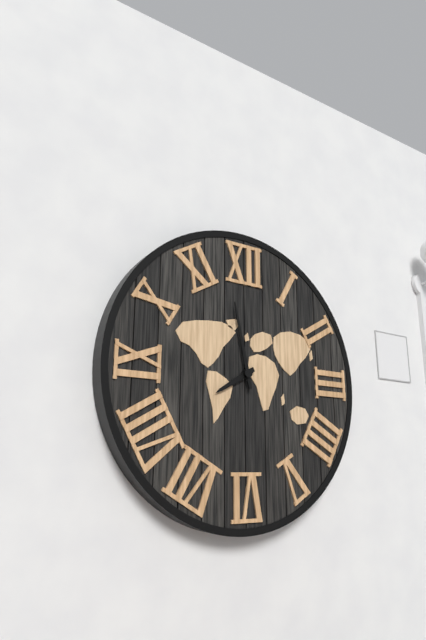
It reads 7h58
